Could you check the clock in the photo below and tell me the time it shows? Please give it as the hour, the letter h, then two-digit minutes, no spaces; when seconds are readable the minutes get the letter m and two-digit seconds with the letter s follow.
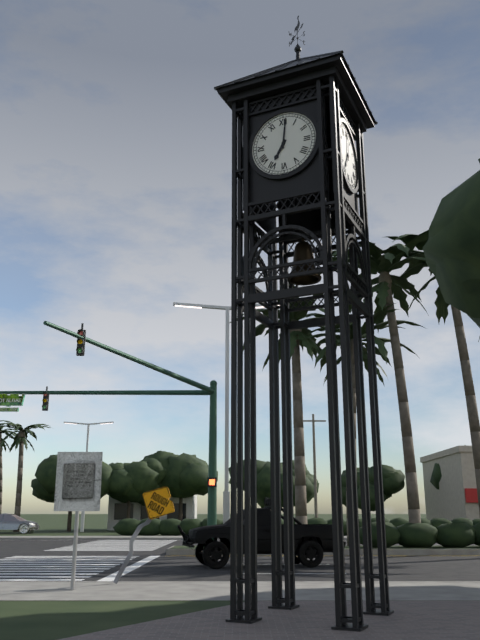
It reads 7h01
